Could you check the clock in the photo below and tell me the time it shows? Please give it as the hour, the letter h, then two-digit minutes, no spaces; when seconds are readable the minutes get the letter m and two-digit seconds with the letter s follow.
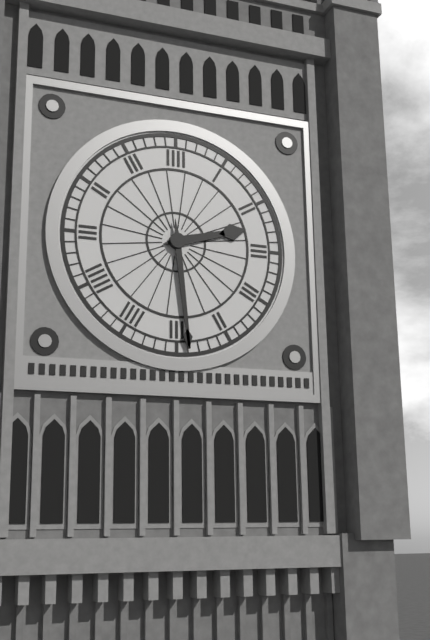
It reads 2h29
